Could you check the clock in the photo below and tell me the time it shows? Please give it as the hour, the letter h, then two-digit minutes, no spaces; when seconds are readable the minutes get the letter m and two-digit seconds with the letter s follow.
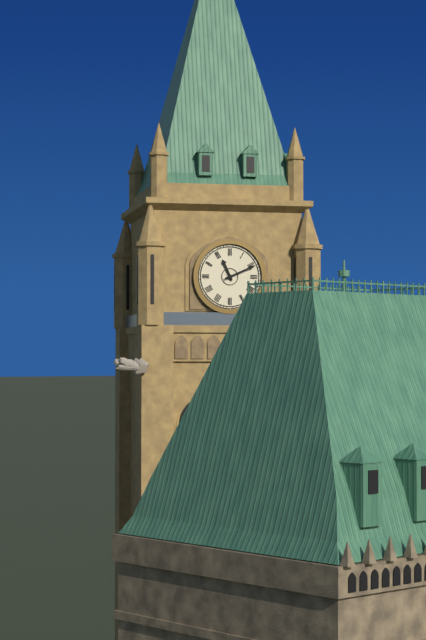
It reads 11h11
